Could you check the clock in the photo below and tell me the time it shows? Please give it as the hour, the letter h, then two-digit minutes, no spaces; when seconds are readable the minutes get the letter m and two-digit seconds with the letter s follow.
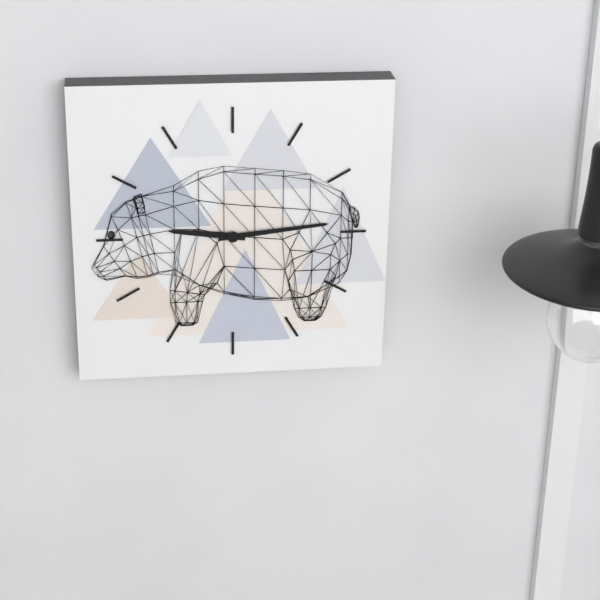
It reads 9h14
